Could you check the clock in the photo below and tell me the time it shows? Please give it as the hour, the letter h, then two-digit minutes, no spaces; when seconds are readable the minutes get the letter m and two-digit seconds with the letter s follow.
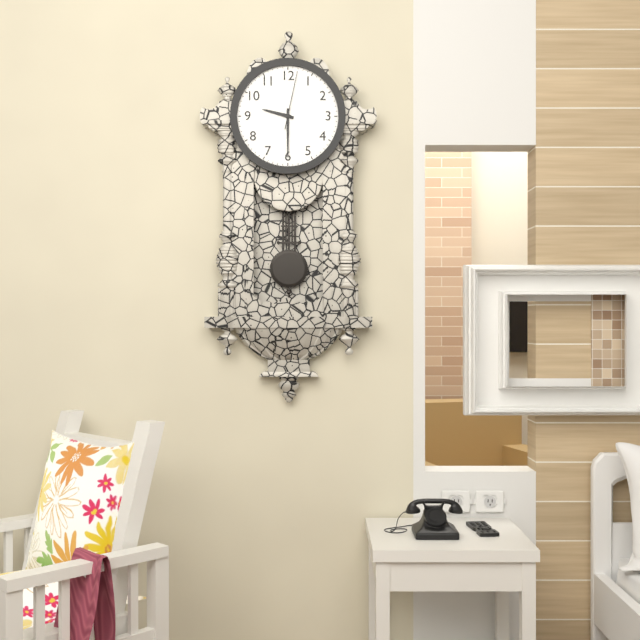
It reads 9h30m02s
